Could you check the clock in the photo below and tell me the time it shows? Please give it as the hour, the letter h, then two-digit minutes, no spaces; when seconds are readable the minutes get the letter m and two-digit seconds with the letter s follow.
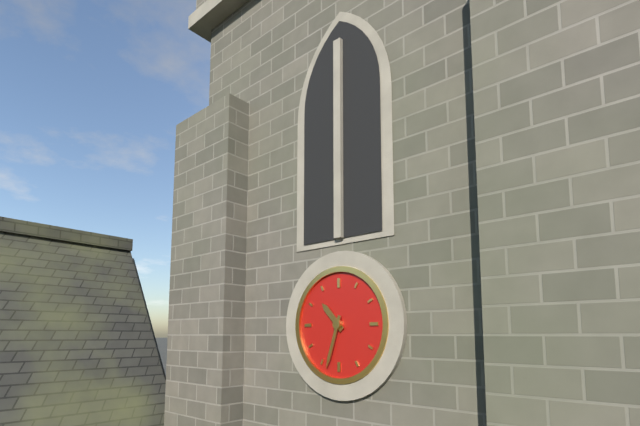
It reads 10h33
